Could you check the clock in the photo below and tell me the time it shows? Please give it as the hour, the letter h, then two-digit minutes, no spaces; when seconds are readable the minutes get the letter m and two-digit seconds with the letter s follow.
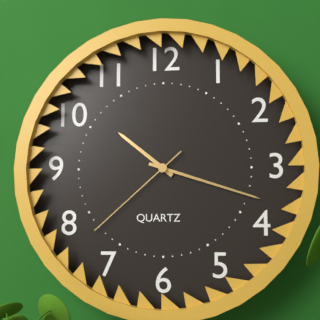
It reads 10h18m38s
